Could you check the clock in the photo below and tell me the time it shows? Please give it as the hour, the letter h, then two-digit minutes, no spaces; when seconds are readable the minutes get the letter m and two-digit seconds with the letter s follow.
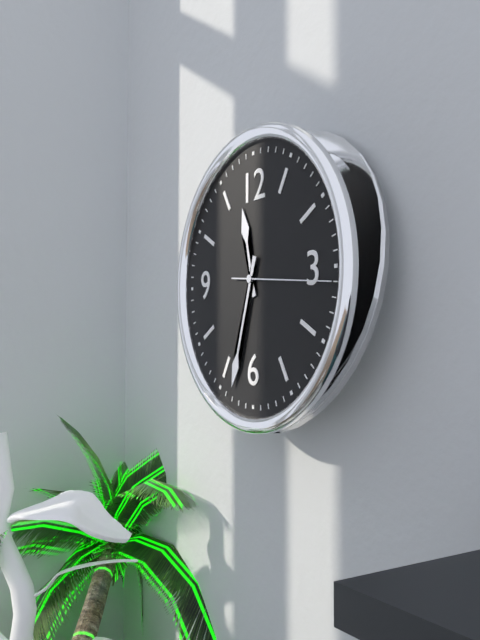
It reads 11h33m16s
